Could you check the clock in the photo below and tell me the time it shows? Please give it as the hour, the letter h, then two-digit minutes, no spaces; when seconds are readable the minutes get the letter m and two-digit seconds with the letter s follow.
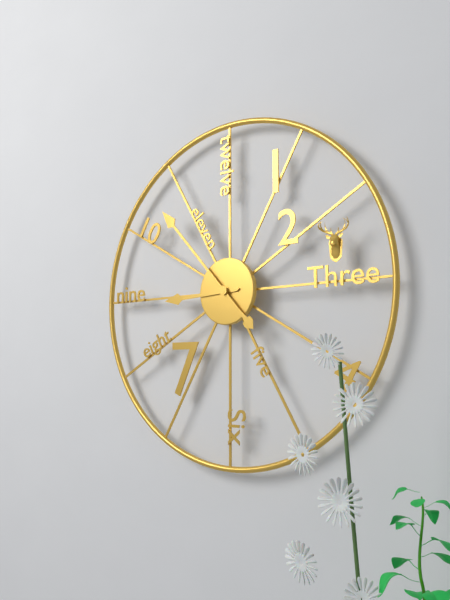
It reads 8h53
